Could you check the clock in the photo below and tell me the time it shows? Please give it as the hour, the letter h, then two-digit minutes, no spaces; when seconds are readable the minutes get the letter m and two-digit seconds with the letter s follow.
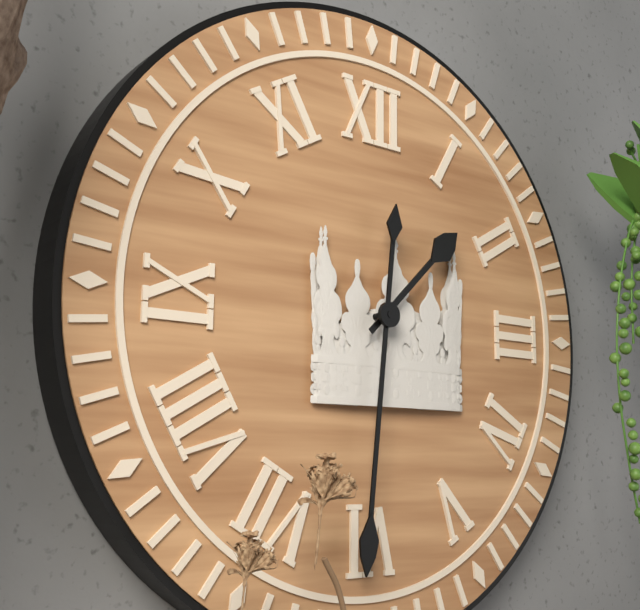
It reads 1h31
